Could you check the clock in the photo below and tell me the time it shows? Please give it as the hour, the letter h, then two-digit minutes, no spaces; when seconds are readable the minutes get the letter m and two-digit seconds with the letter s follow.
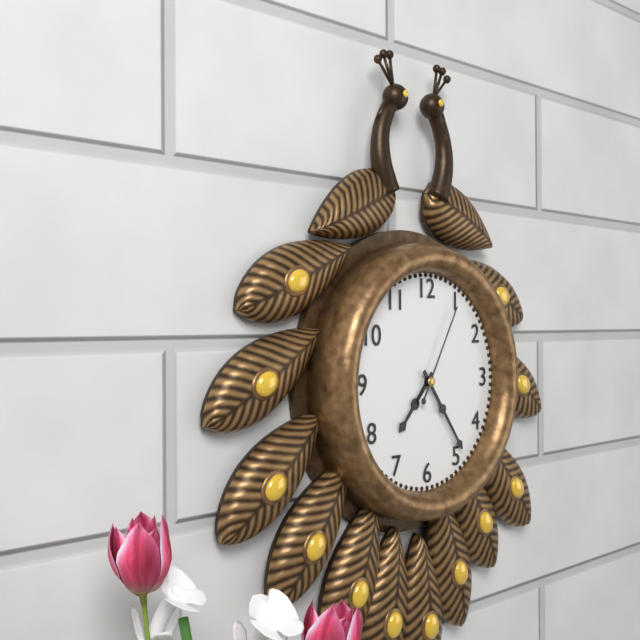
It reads 7h24m05s
